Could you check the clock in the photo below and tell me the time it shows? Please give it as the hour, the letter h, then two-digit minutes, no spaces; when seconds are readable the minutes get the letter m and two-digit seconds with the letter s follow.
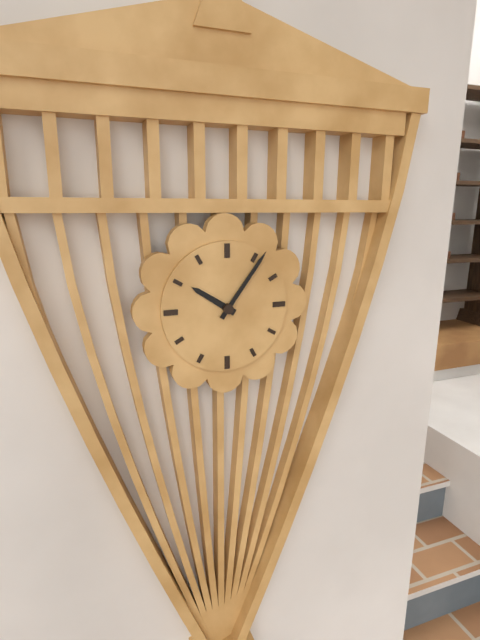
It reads 10h06
